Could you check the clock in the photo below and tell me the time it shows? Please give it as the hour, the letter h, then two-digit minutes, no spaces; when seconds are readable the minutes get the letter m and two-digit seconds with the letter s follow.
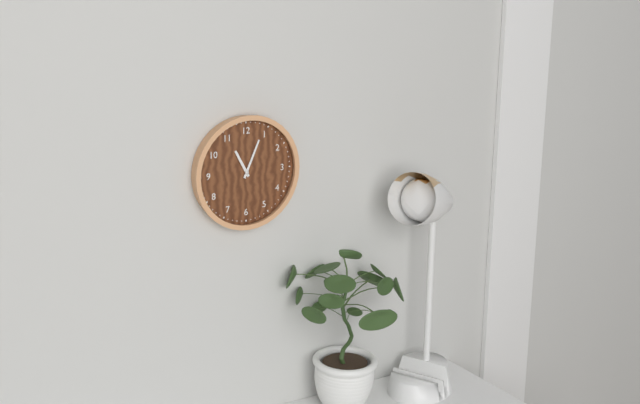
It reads 11h04
